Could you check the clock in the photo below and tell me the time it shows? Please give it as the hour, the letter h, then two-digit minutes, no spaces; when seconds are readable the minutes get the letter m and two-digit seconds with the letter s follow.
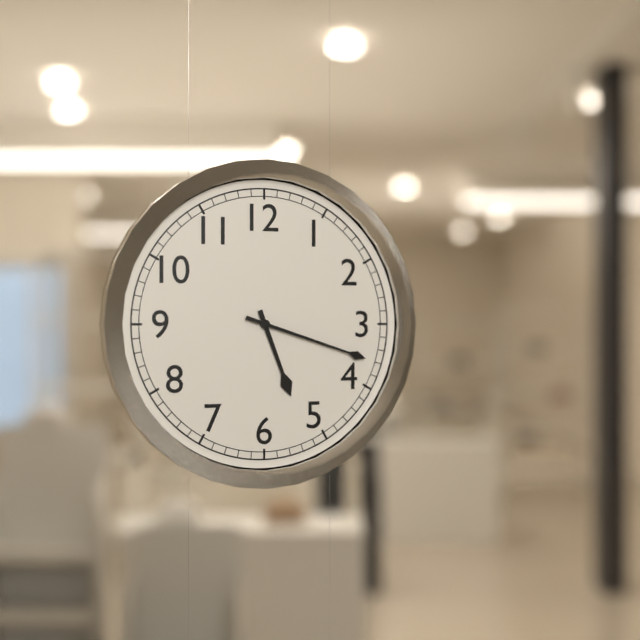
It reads 5h18
